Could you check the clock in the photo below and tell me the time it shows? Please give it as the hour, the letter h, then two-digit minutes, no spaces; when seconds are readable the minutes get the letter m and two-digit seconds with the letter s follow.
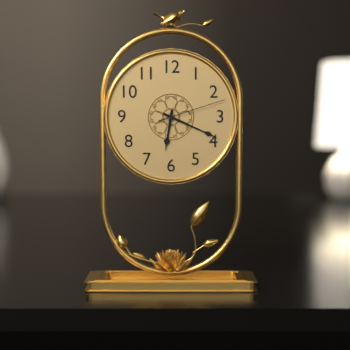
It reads 6h19m12s
